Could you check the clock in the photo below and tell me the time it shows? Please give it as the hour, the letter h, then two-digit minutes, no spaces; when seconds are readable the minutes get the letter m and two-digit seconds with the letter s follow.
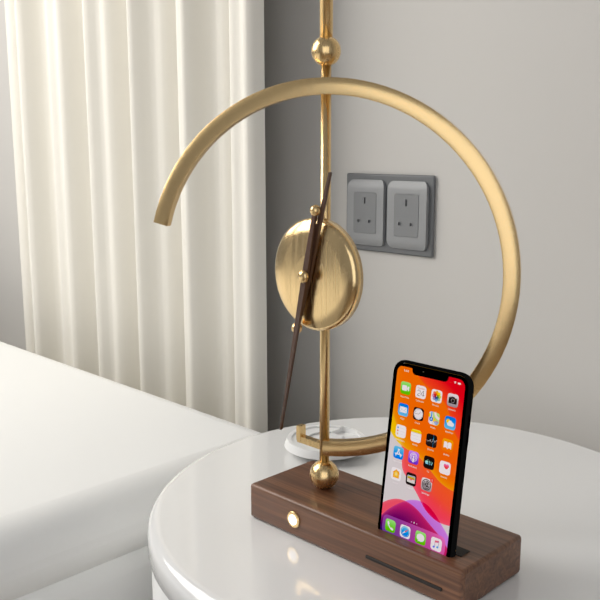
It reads 12h32
